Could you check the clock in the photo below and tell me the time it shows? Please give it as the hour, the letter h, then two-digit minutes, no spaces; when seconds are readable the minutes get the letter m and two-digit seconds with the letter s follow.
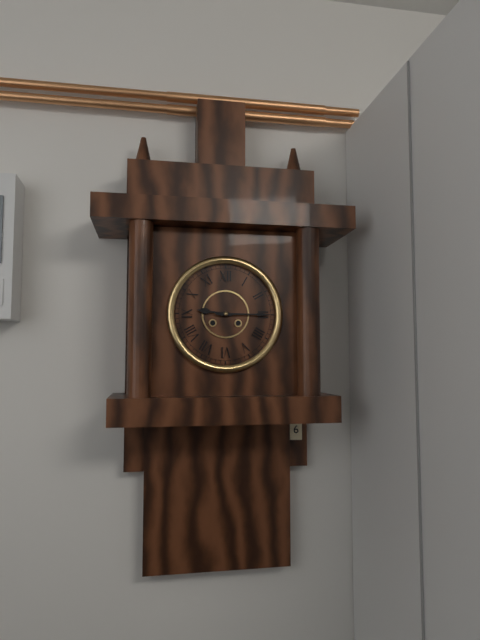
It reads 9h15
